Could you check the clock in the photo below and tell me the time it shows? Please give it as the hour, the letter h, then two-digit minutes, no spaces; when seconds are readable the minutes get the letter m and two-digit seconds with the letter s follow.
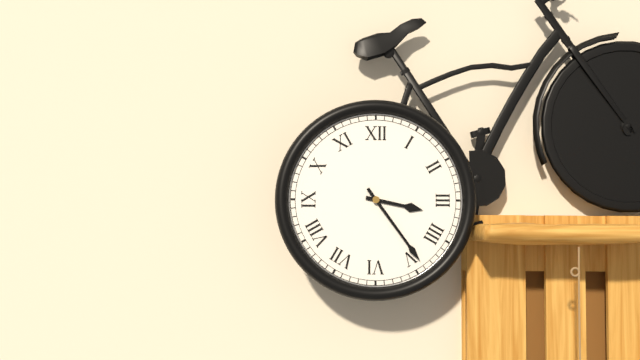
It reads 3h24
